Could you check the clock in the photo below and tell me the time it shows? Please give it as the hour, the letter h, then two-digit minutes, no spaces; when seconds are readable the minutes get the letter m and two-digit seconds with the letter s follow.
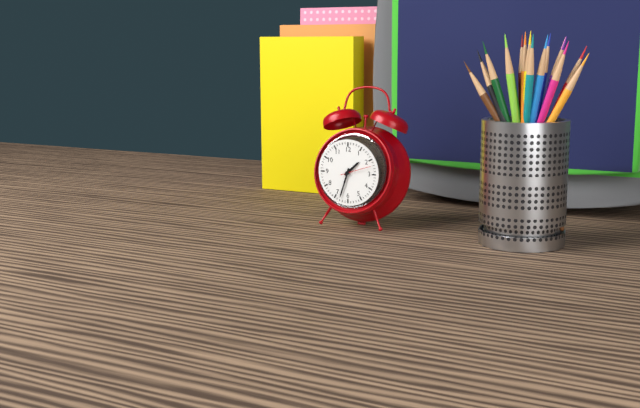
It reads 1h33
